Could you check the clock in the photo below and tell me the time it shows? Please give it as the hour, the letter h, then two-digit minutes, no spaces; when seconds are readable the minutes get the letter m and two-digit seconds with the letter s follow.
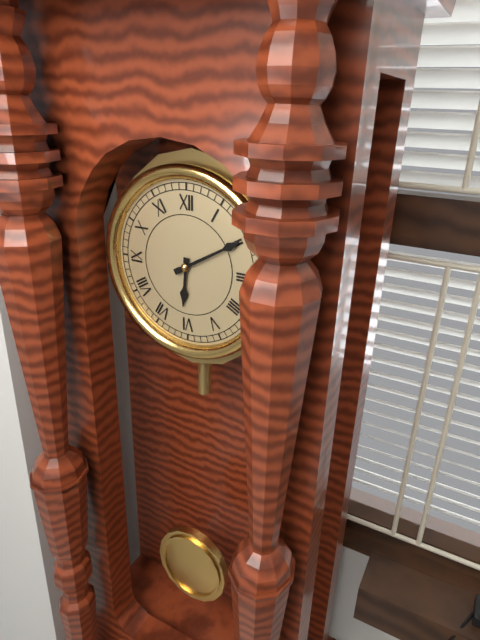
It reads 6h10
